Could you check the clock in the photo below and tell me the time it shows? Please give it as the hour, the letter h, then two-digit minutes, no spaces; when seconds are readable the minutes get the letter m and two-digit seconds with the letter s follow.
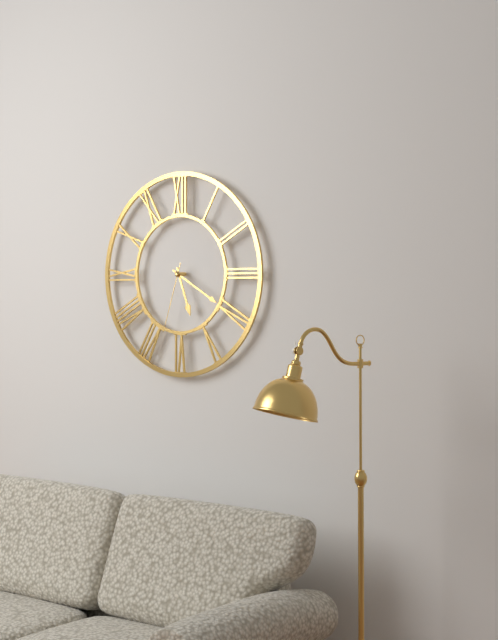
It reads 5h20m33s
